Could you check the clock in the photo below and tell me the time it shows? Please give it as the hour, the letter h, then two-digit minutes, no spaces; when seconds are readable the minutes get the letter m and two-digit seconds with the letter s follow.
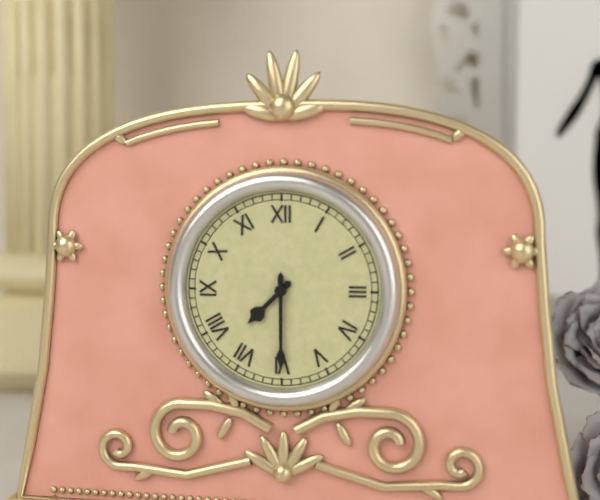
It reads 7h30
